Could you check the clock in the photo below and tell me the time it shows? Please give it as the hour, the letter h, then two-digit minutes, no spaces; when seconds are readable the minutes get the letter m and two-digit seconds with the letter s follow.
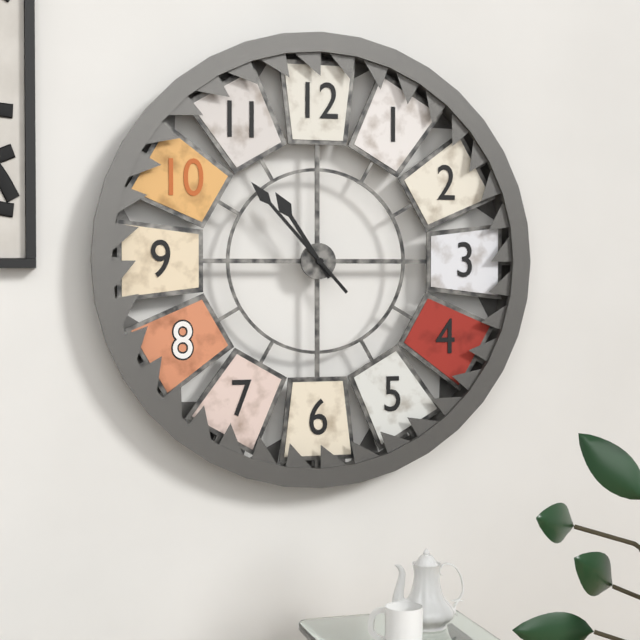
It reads 10h53
